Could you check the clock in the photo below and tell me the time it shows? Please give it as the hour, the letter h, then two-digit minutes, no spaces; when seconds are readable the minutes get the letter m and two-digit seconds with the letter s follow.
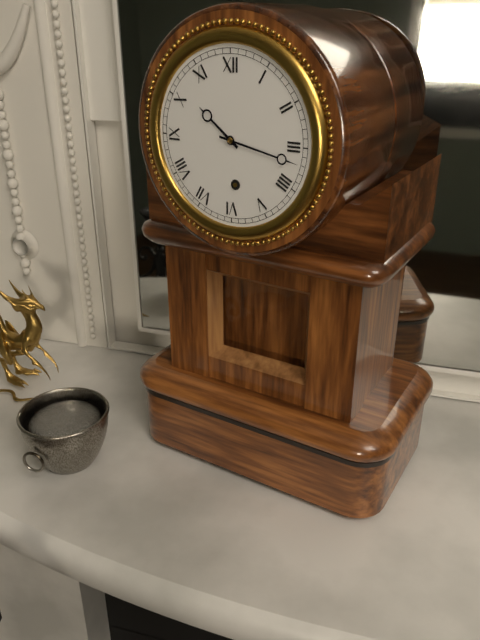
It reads 10h17
